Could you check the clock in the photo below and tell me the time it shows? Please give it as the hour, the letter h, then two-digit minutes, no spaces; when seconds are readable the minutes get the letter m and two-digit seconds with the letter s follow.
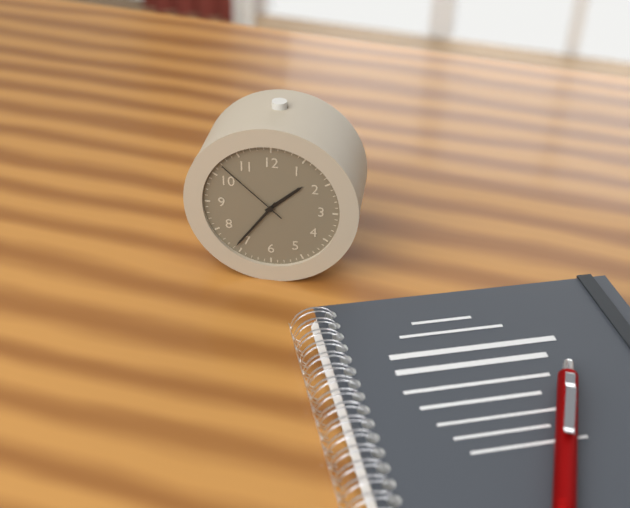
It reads 1h36m52s
